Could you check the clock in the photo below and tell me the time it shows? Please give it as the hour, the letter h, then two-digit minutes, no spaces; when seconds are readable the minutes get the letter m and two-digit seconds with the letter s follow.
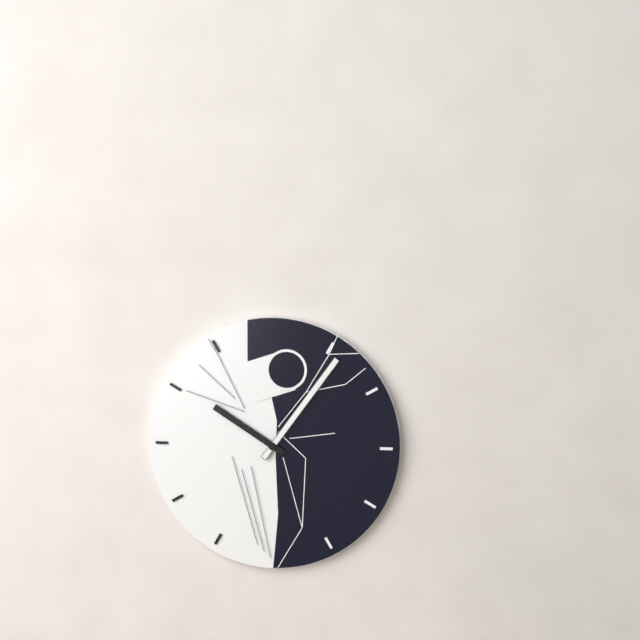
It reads 10h06
